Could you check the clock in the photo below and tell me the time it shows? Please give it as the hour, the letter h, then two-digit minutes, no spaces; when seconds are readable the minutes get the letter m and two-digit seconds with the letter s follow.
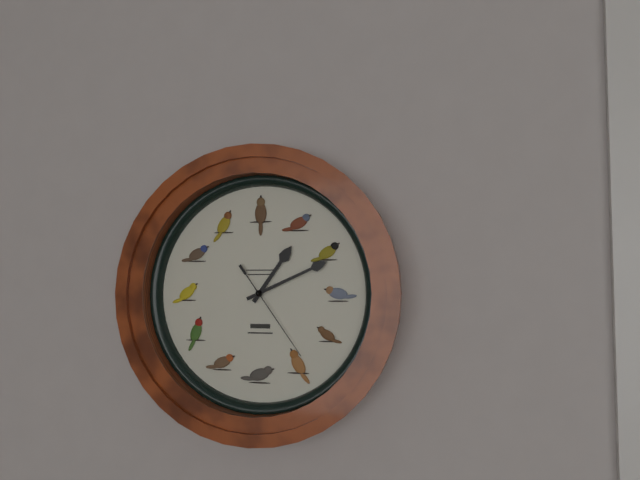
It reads 1h11m24s
